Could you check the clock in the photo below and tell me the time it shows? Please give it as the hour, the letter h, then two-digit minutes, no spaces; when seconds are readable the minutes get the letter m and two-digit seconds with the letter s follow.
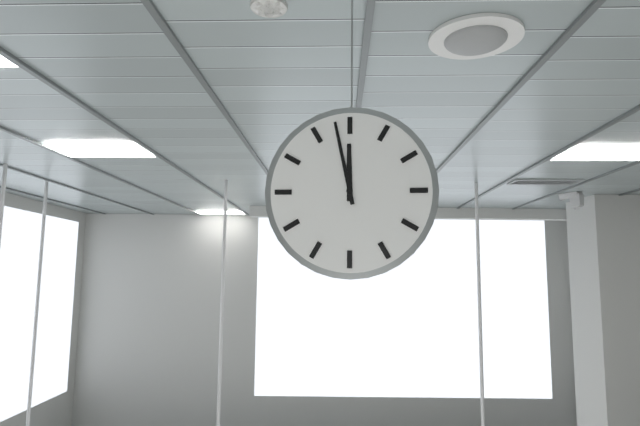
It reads 11h58
